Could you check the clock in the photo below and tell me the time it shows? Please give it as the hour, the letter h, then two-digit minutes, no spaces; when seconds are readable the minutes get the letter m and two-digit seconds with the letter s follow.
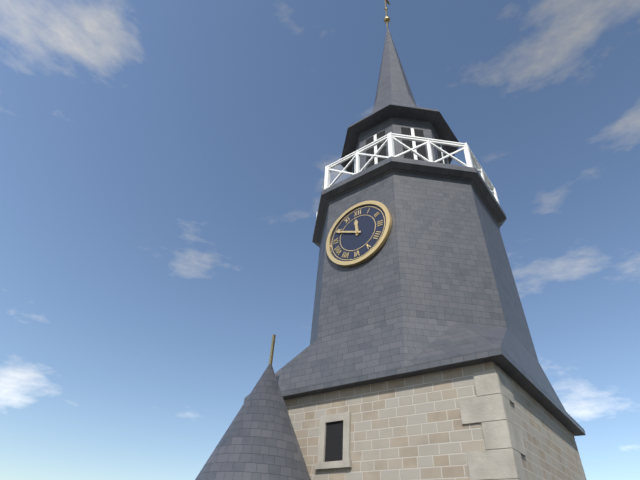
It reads 11h49
